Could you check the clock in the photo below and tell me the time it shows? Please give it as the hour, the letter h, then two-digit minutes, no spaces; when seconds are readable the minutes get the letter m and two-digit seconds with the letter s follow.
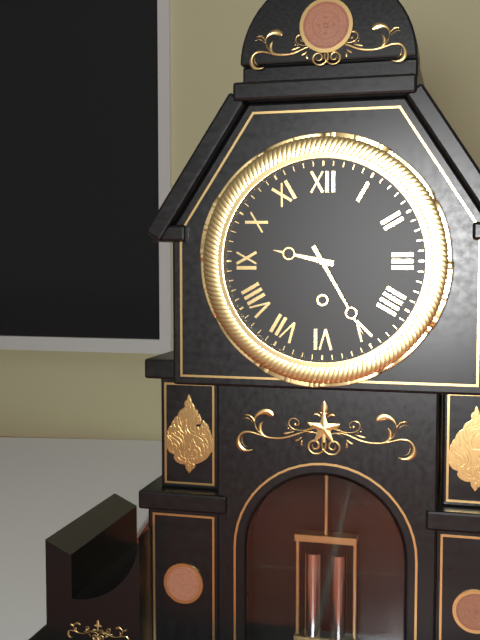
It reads 9h25
